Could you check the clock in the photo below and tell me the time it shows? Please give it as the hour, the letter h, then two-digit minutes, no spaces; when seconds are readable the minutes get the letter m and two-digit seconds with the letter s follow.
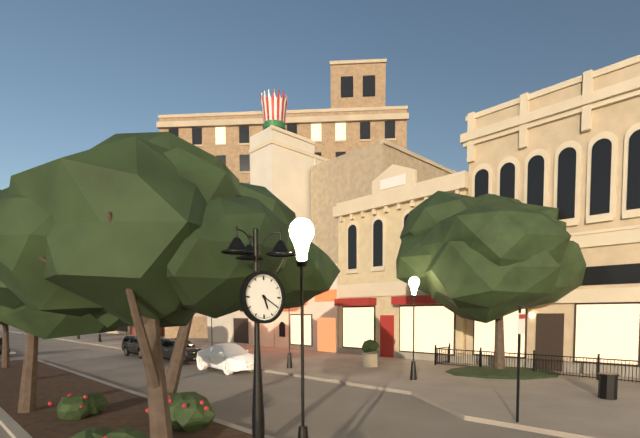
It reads 5h20
